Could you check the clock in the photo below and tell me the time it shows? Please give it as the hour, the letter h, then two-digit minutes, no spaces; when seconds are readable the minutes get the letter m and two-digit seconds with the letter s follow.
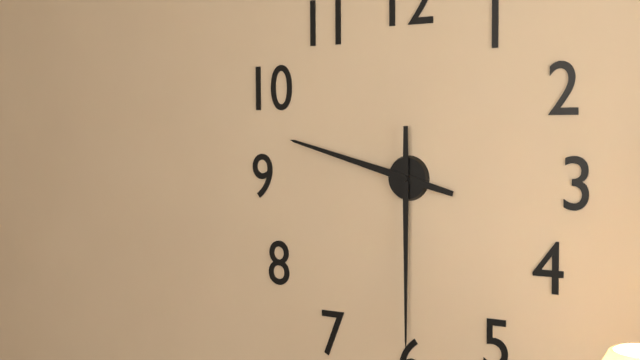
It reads 9h30
